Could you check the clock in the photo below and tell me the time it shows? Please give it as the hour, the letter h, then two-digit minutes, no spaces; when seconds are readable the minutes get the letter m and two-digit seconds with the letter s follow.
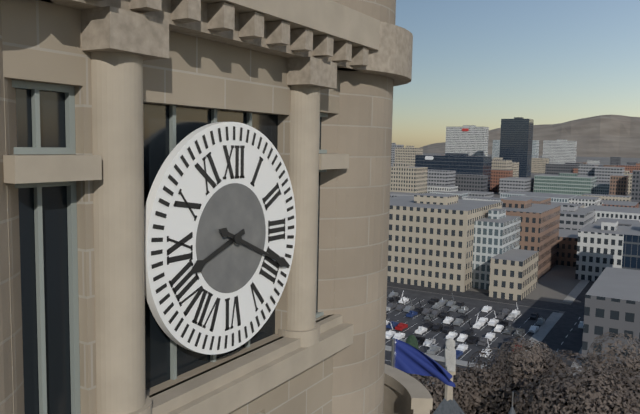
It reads 8h19
